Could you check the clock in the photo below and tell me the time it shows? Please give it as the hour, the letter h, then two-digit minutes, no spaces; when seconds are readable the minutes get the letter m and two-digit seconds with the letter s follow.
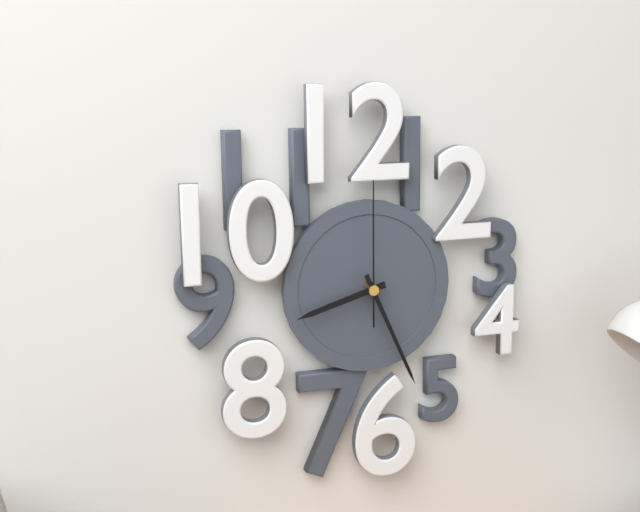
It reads 8h26m00s
